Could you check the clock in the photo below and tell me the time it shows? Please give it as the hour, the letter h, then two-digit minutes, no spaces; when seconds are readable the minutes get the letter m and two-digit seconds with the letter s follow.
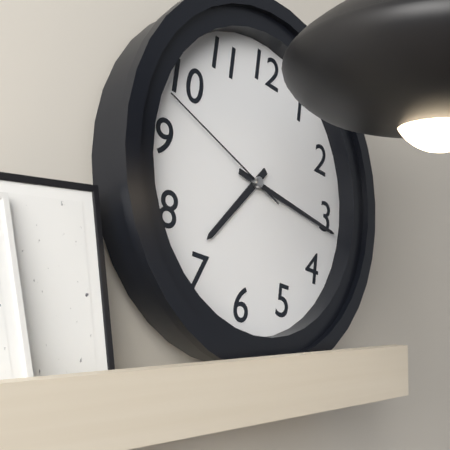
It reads 7h16m48s
